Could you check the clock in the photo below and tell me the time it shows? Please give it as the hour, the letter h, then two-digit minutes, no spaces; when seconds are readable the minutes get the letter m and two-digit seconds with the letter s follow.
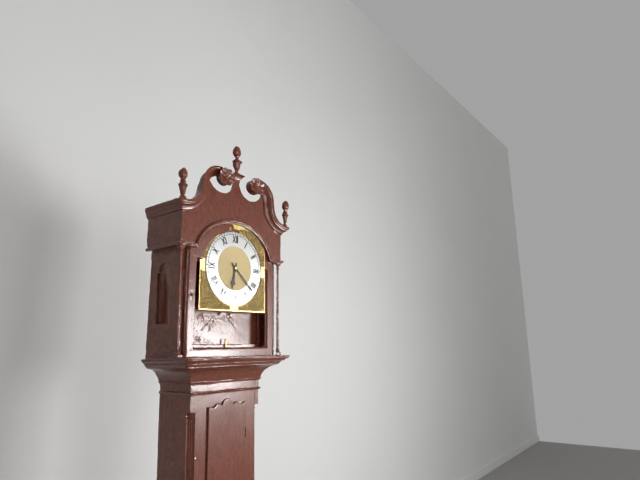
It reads 6h22
